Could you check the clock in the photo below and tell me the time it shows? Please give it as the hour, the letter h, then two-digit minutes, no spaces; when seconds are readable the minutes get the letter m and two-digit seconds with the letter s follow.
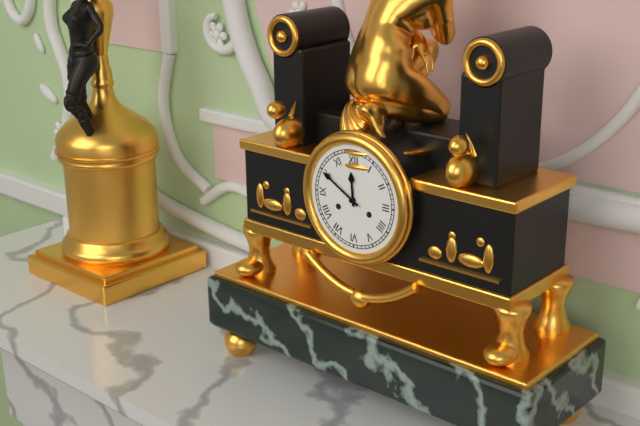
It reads 11h50
